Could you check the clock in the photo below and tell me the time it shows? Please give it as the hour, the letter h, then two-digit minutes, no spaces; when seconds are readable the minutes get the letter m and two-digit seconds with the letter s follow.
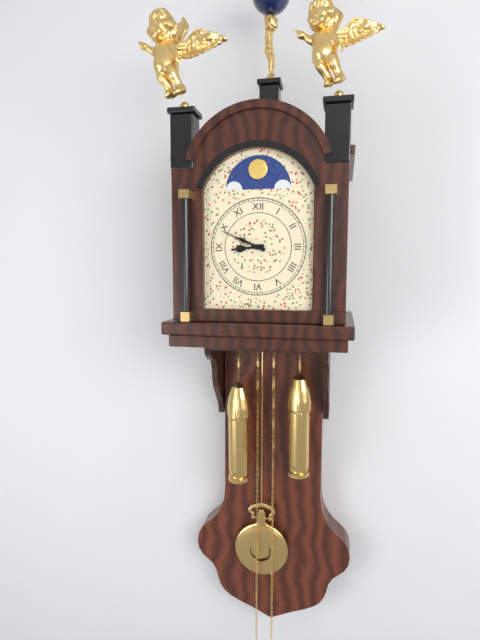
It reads 8h49
